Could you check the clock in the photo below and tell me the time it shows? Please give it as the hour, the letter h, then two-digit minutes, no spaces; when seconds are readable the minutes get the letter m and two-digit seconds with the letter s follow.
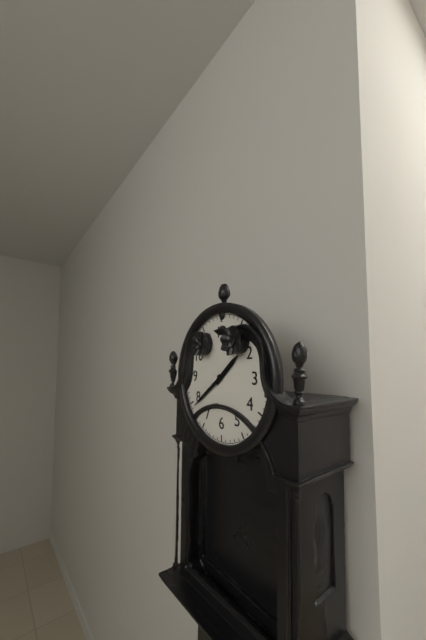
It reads 1h39
